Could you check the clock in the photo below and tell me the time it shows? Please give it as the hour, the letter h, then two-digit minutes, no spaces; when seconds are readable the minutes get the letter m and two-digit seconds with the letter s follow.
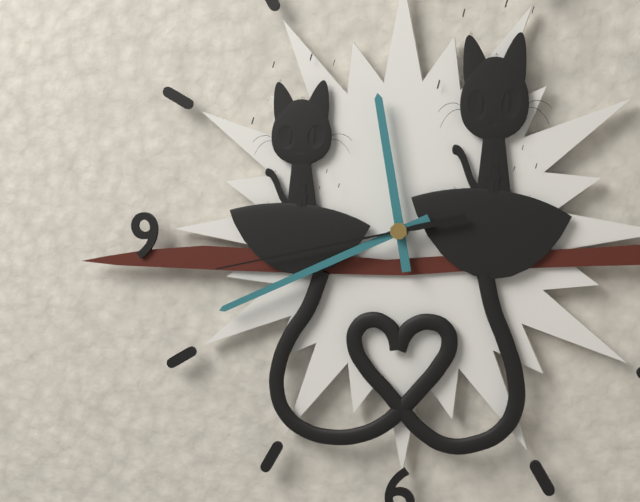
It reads 11h41m43s
